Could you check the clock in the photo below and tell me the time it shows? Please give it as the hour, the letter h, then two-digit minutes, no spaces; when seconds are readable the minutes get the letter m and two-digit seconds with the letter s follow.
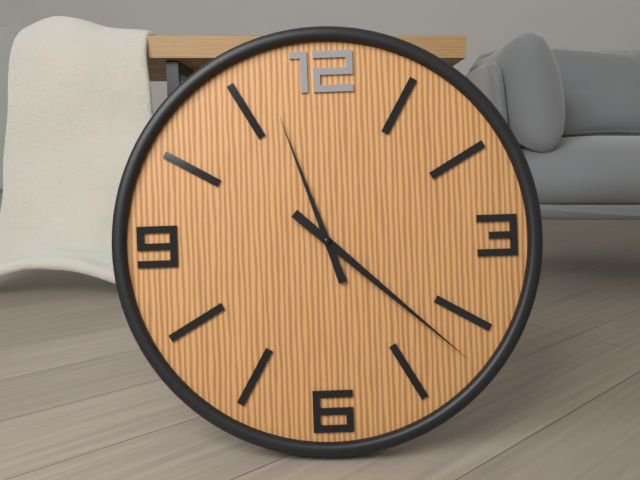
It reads 11h22
